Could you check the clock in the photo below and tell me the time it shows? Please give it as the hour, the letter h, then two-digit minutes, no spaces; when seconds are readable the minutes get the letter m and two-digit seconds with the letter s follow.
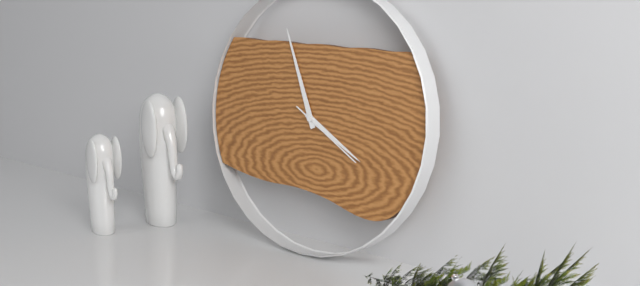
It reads 3h56m20s
